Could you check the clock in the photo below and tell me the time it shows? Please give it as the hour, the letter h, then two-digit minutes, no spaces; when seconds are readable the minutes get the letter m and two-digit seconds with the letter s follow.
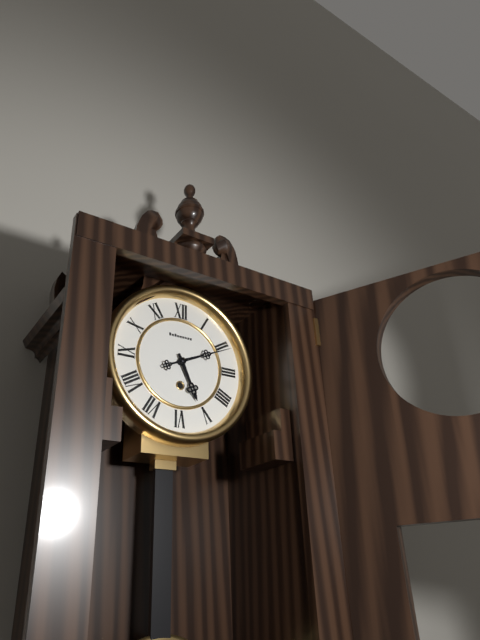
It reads 5h11
